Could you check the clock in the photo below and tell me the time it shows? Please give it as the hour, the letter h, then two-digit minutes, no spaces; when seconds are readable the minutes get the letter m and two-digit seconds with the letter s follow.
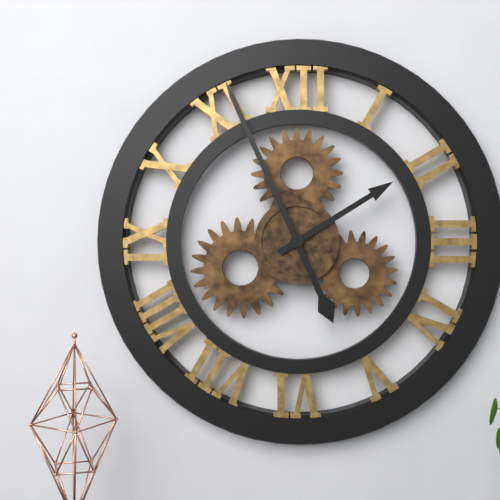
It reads 1h56
